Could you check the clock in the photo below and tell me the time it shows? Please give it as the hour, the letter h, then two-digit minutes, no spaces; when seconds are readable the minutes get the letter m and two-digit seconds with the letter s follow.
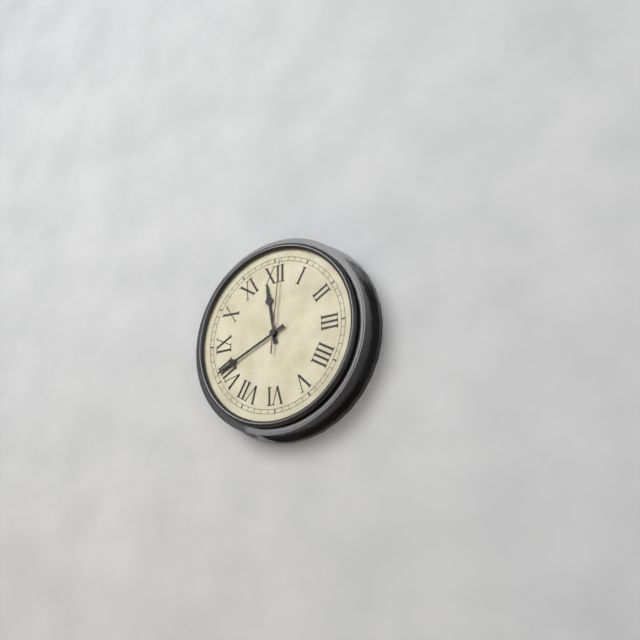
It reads 11h41m01s
